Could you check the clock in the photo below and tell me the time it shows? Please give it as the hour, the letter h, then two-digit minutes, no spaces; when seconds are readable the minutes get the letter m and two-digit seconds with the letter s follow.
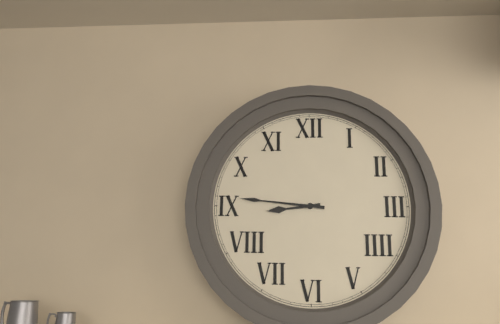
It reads 8h46
